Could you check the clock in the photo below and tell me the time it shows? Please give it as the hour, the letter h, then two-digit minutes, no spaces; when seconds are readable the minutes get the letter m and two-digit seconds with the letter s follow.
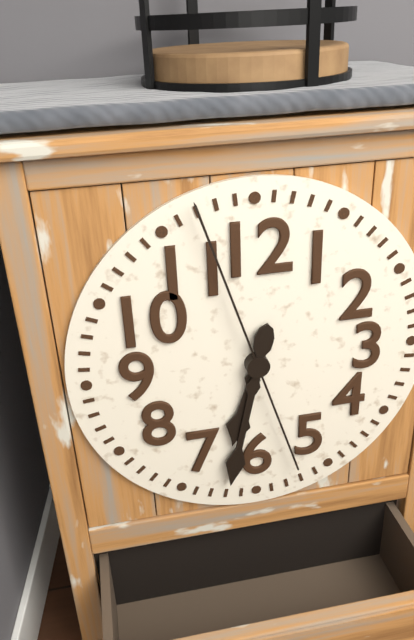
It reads 6h32m57s
